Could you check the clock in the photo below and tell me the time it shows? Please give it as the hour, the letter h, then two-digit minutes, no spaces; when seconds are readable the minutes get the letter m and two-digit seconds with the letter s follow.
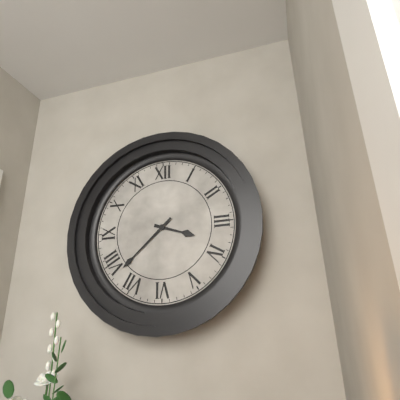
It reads 3h38
